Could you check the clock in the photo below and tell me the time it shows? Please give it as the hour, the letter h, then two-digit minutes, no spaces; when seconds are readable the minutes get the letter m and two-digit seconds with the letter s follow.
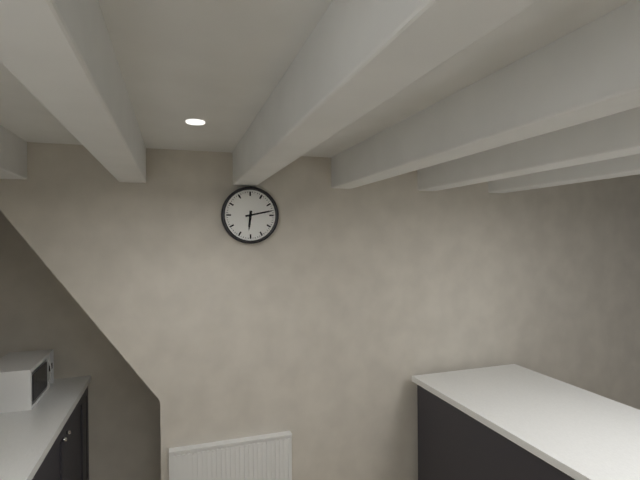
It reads 6h13
